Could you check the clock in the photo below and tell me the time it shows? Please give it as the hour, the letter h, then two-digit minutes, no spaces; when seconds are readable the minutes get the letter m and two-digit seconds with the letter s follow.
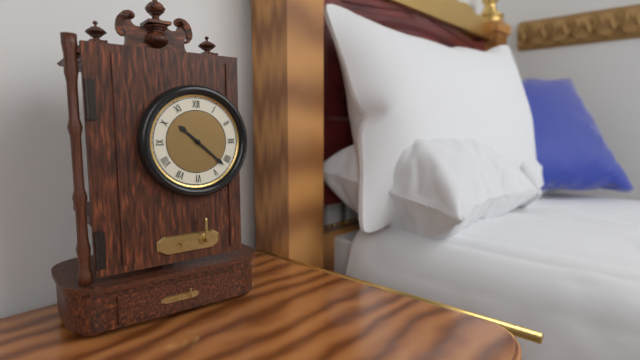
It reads 10h22
